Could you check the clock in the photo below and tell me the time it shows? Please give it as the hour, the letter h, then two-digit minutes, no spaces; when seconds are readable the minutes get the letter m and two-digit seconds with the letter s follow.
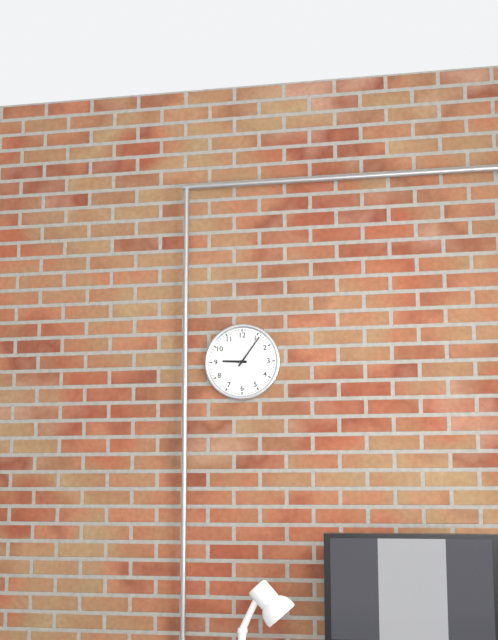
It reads 9h06
